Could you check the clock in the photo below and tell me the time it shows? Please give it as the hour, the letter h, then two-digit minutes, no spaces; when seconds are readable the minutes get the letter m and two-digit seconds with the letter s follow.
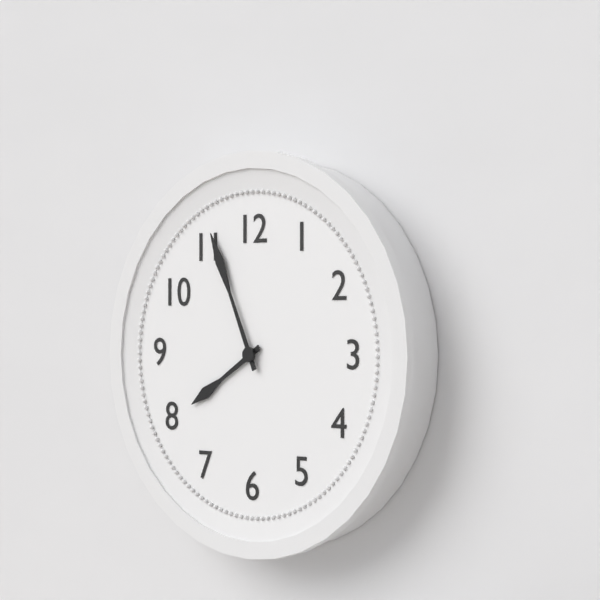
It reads 7h56
